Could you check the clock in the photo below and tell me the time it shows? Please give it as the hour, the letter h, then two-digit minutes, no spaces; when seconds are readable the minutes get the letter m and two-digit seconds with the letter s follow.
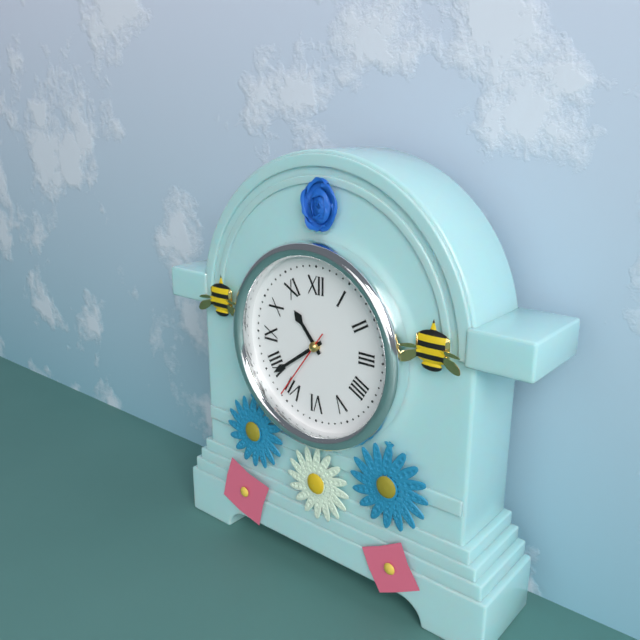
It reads 10h39m36s
